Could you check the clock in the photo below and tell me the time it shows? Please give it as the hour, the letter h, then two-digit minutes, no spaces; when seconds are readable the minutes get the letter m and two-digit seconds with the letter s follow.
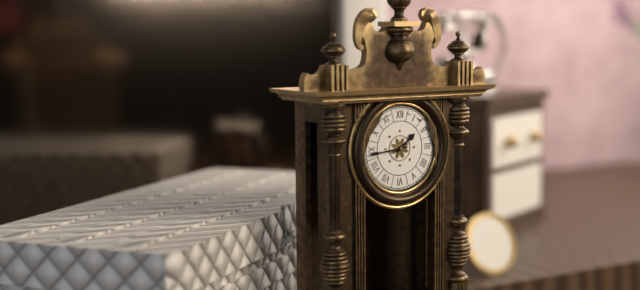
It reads 1h44
